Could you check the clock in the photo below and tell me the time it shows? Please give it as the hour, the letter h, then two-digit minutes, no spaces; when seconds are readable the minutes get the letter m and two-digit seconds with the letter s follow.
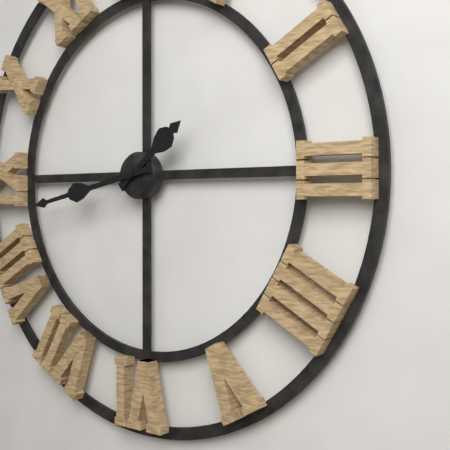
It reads 1h43
